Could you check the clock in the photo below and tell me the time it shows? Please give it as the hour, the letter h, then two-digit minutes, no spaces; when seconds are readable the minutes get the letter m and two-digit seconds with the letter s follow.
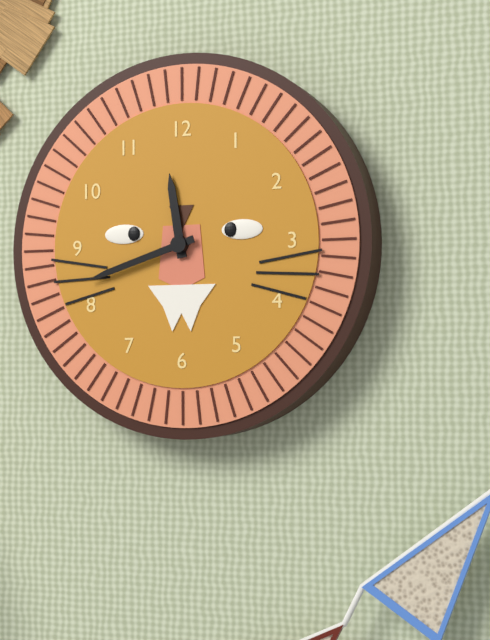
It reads 11h42
